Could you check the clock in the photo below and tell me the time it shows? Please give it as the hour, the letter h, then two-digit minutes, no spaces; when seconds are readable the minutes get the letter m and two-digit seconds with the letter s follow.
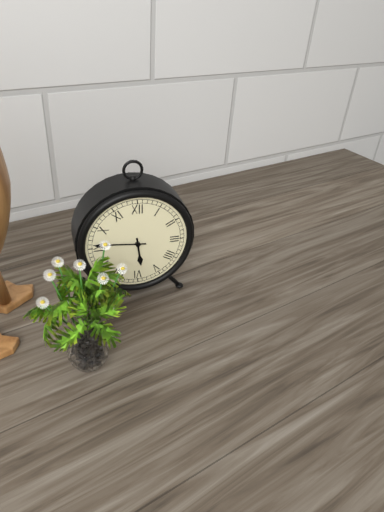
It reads 5h46
